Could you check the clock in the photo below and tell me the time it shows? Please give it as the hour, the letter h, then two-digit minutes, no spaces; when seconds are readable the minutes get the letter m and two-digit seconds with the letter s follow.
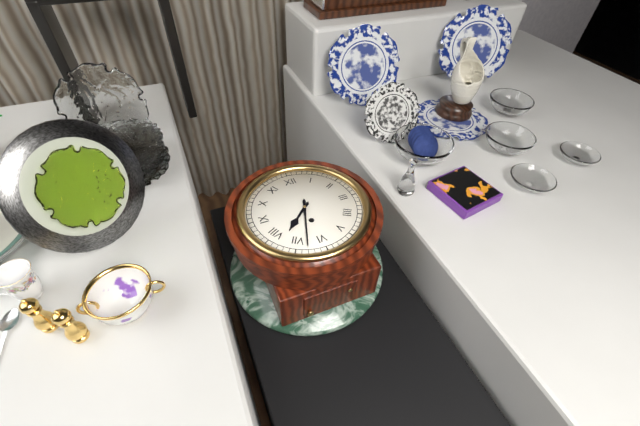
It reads 7h33
